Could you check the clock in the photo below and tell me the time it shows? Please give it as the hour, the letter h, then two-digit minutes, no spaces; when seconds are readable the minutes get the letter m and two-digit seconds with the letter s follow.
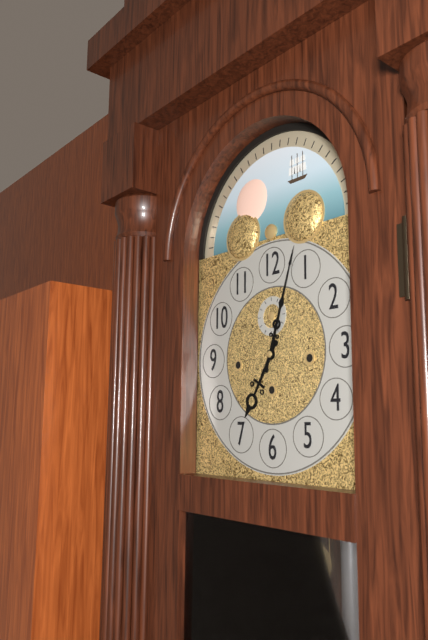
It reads 7h03
